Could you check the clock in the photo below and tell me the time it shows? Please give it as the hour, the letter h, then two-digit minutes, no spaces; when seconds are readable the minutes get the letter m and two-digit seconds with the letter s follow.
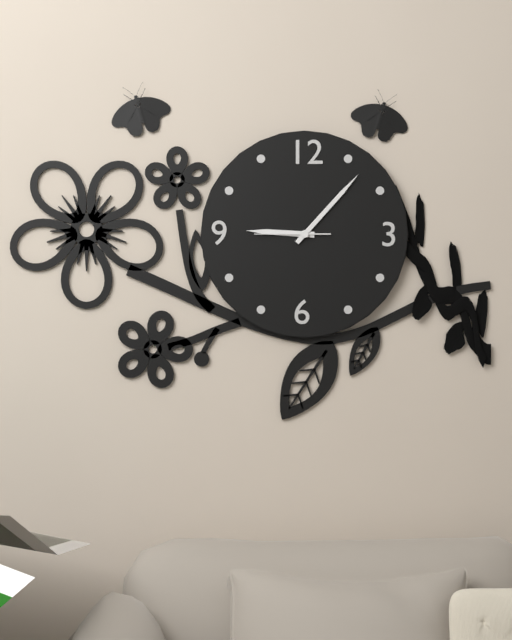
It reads 9h07m45s
